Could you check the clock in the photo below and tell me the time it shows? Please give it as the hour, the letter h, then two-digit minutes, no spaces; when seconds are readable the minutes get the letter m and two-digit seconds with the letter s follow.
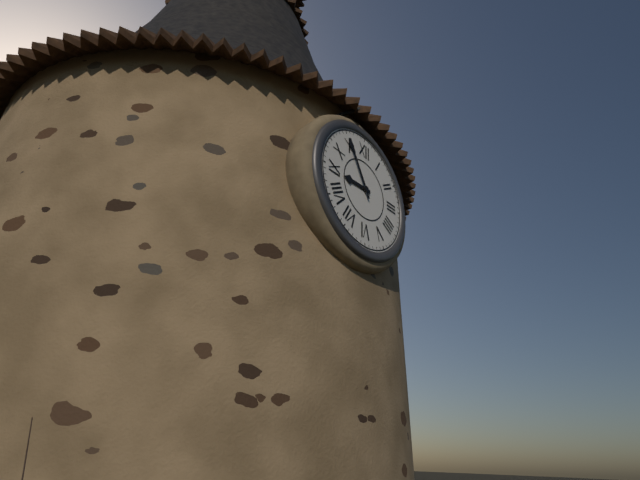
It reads 8h55
